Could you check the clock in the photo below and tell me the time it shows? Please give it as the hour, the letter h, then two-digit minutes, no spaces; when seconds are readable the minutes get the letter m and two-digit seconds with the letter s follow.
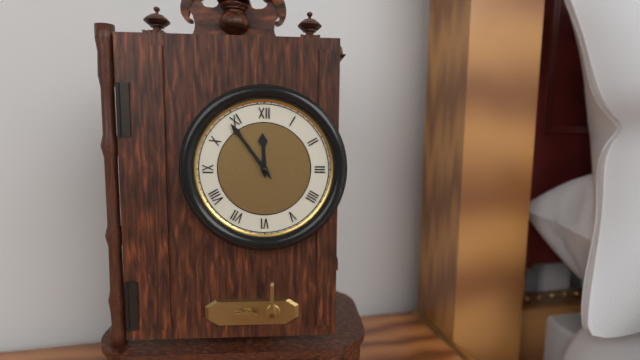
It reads 11h54
